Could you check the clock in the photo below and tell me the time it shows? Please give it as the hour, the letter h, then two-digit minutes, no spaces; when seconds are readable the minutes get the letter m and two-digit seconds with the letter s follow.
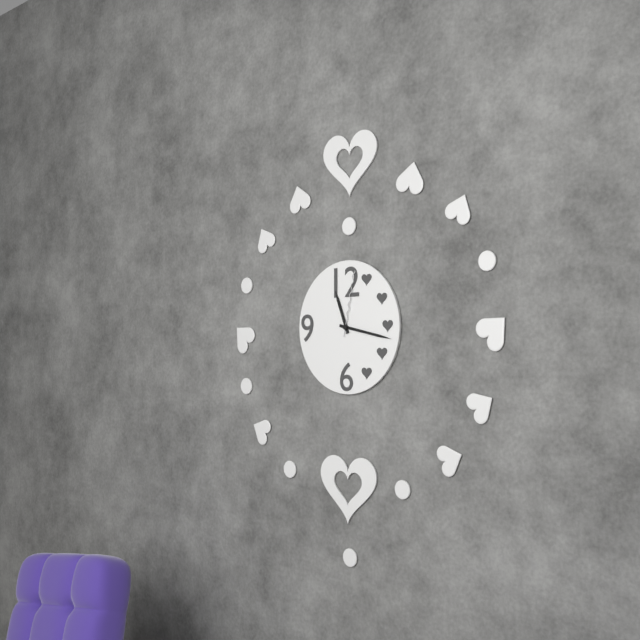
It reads 11h17m02s
